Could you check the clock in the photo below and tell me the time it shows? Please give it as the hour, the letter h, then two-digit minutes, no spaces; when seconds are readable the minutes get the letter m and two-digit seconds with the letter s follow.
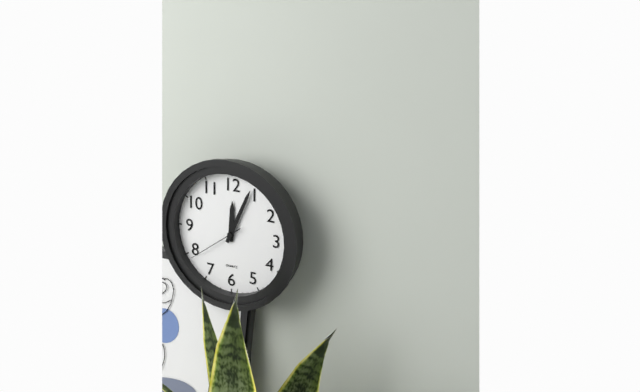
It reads 12h04m39s
